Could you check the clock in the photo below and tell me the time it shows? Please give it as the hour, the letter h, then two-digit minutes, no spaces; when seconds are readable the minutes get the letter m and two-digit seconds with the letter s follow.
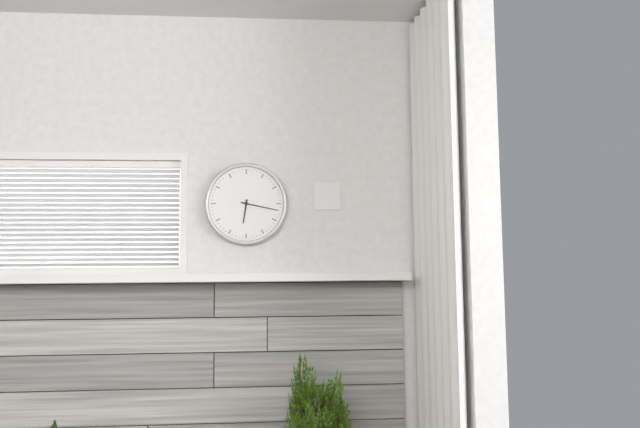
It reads 6h17
